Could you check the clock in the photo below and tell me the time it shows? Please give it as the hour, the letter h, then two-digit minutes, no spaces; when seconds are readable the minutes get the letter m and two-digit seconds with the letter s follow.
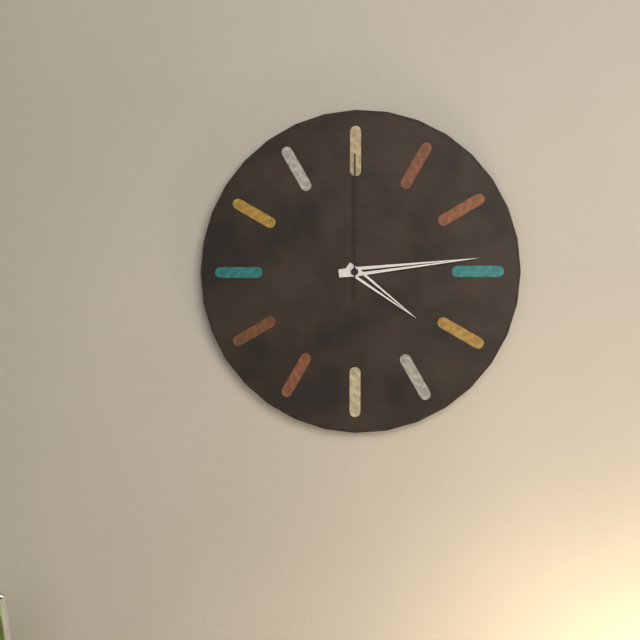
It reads 4h14m00s
